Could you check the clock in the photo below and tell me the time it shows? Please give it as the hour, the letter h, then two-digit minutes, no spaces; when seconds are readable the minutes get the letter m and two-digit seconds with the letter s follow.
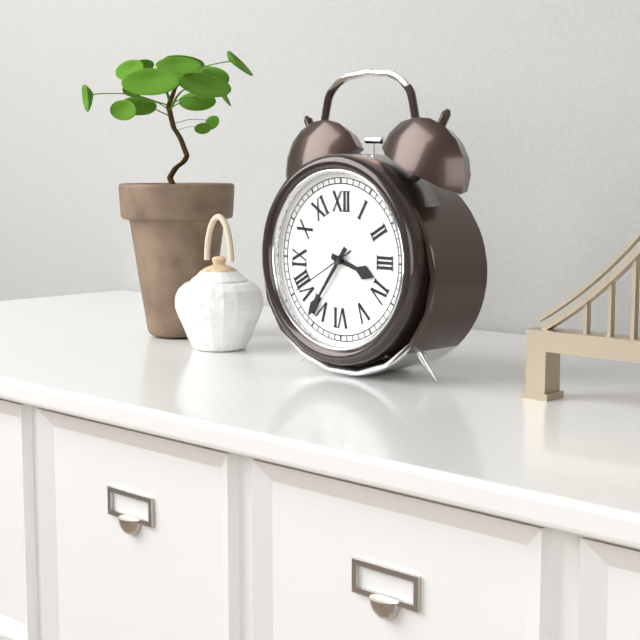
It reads 3h36m40s
